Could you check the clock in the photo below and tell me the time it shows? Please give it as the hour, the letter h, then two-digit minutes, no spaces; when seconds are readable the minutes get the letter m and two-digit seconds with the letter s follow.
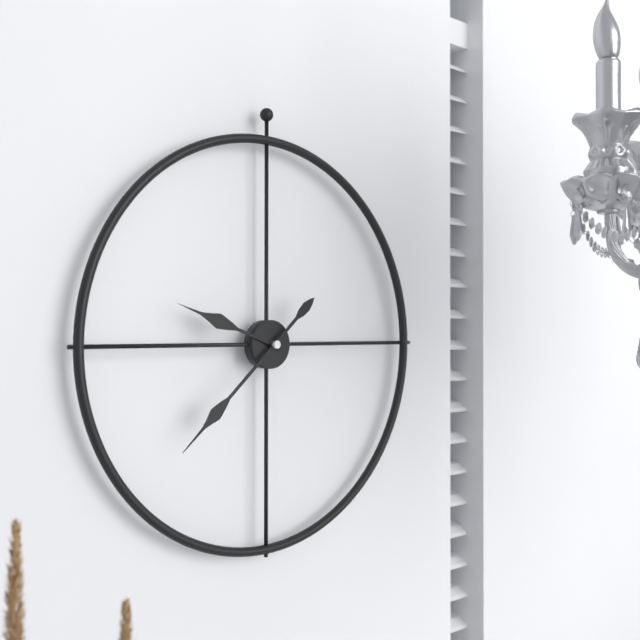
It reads 9h38
